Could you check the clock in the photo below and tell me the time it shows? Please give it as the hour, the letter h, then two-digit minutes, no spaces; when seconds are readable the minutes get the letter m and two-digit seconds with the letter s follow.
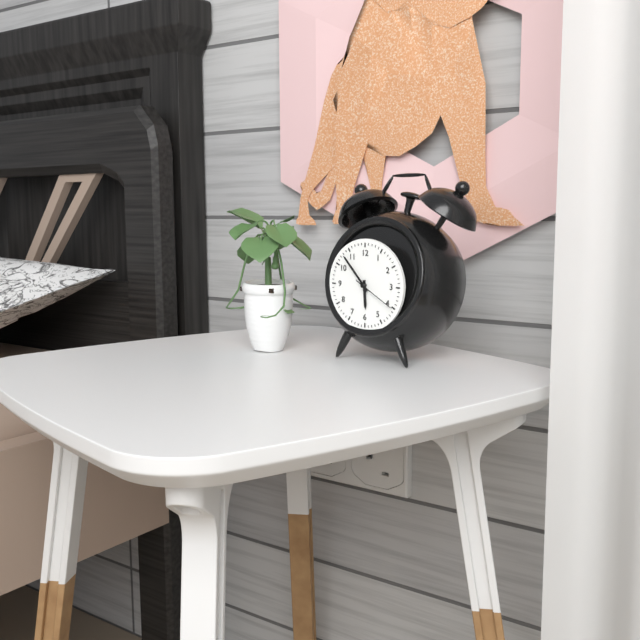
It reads 5h53
